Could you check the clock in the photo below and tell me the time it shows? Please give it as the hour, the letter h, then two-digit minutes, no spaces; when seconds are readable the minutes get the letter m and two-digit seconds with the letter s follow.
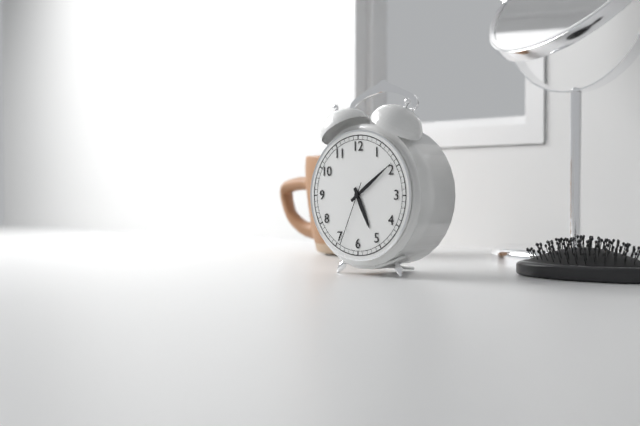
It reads 5h09m34s
